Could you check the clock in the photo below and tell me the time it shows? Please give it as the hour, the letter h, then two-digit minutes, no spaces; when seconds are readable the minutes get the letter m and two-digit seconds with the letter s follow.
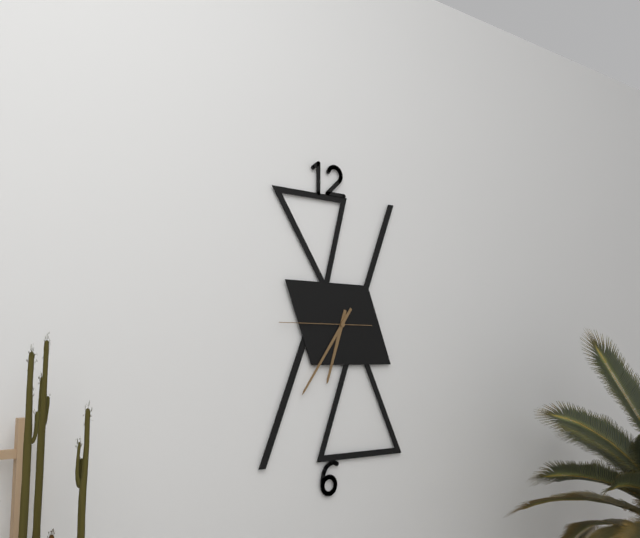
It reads 6h36m45s
